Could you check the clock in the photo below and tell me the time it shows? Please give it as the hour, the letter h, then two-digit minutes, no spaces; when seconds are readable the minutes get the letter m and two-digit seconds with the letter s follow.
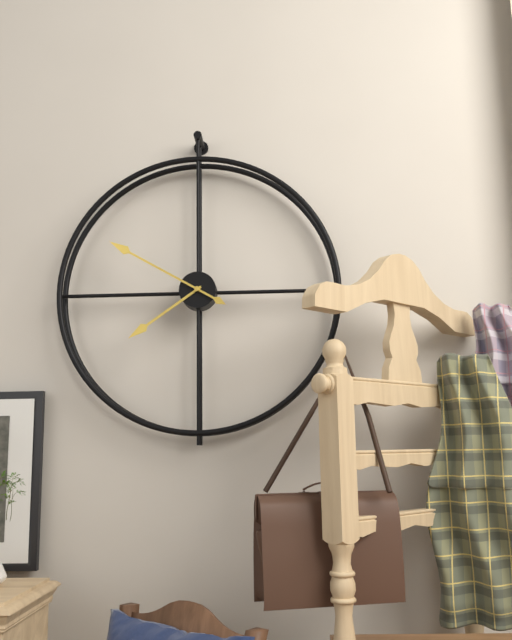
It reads 7h50
